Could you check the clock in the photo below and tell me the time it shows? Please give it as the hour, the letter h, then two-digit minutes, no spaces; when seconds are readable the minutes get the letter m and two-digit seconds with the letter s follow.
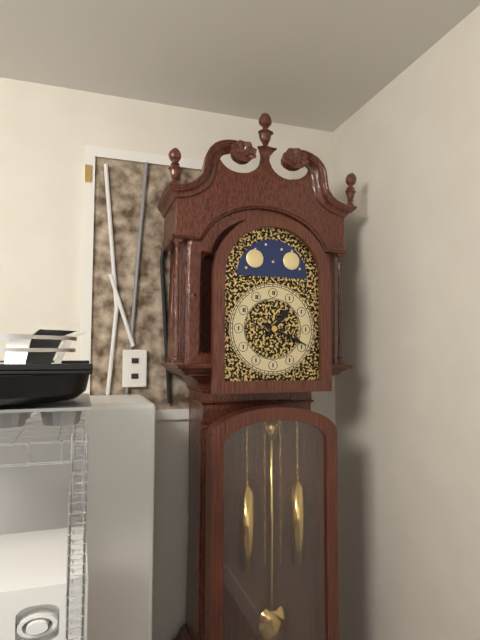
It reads 1h19
